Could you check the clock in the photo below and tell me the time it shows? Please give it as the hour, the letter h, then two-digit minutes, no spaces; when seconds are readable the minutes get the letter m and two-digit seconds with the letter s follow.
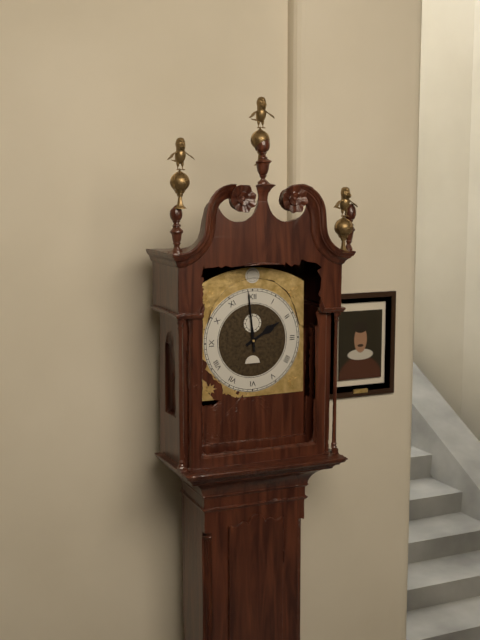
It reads 1h59
